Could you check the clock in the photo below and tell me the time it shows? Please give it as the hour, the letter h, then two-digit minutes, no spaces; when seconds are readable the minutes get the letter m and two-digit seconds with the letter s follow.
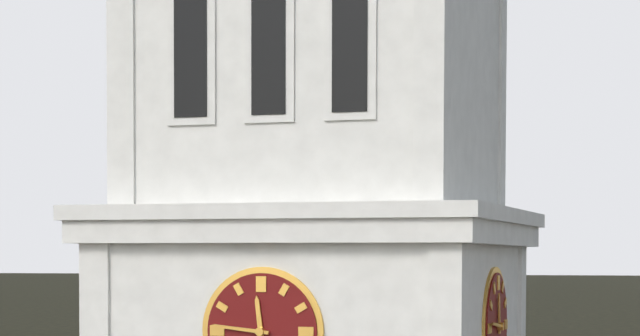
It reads 11h46
